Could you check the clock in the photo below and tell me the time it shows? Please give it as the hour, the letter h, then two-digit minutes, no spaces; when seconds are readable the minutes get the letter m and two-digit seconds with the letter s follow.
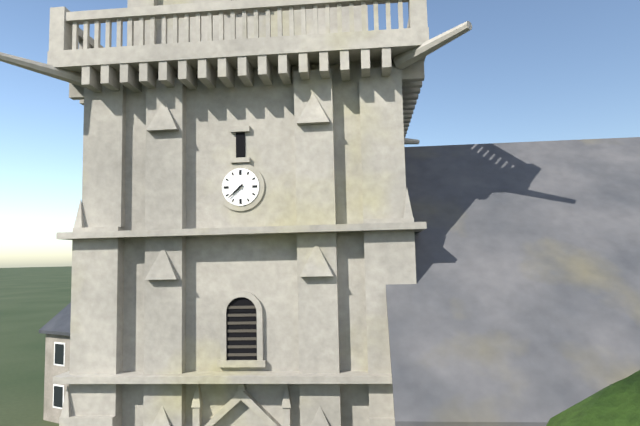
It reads 7h38
